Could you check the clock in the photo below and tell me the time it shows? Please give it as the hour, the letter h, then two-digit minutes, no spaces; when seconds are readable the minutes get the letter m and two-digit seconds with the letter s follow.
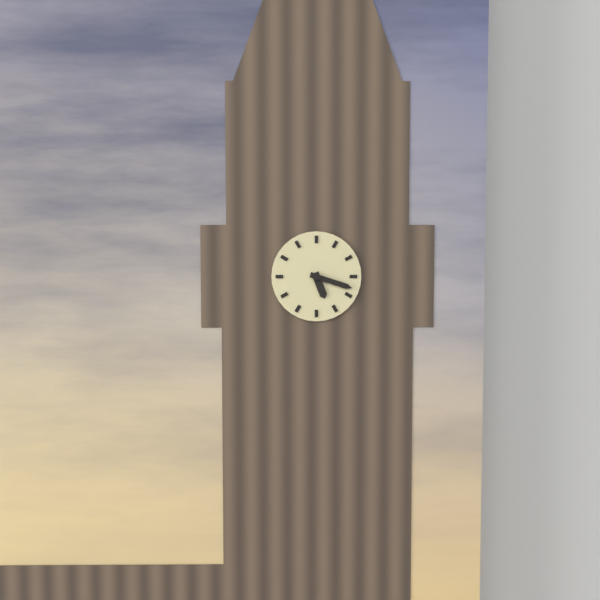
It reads 5h18
